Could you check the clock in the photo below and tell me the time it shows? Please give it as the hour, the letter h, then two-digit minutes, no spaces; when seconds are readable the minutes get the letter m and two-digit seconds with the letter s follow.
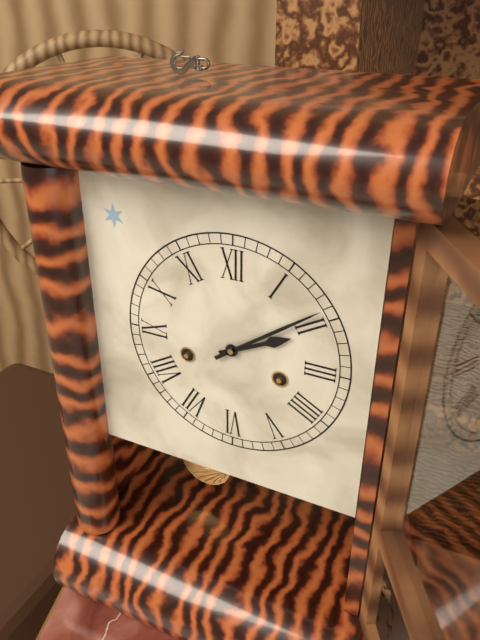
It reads 2h09
